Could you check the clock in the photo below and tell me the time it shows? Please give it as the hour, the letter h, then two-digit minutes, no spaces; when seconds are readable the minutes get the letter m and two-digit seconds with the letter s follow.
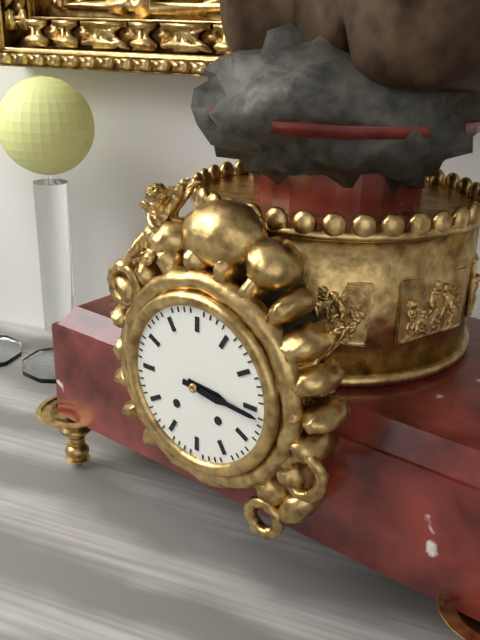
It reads 3h16
